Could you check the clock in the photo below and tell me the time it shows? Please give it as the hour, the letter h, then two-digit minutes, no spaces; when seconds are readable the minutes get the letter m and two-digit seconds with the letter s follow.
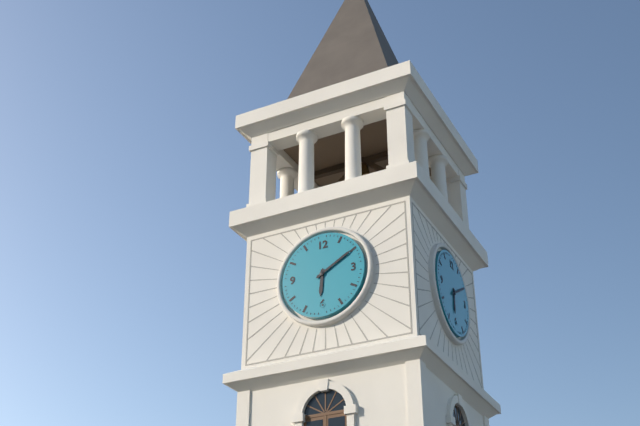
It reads 6h10
